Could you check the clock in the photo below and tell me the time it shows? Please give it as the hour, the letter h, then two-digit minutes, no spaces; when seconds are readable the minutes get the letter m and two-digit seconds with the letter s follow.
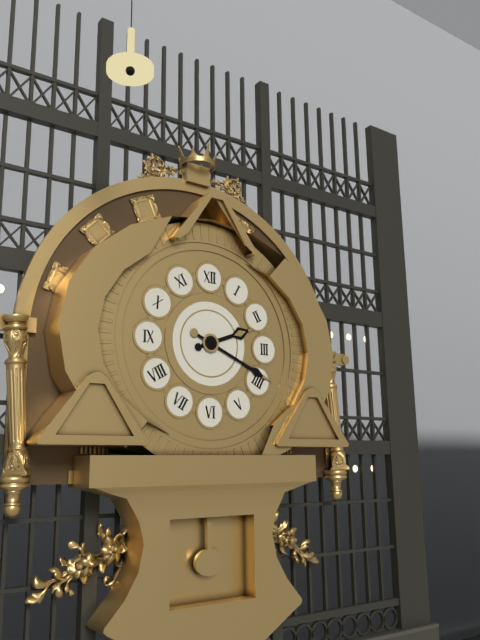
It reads 2h19
